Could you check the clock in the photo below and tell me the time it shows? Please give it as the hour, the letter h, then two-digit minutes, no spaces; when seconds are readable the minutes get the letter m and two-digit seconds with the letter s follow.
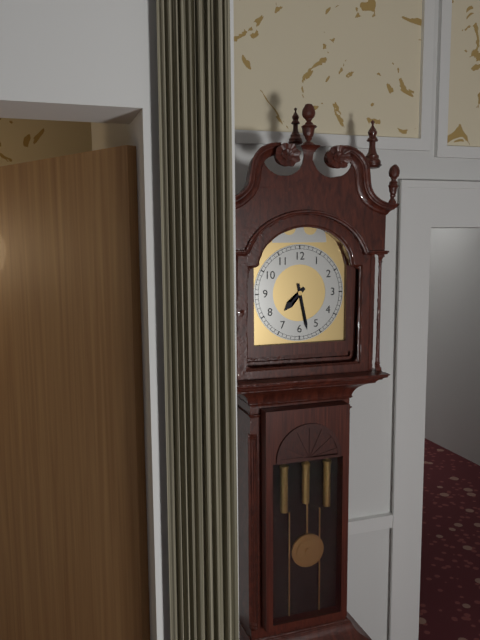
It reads 7h28
